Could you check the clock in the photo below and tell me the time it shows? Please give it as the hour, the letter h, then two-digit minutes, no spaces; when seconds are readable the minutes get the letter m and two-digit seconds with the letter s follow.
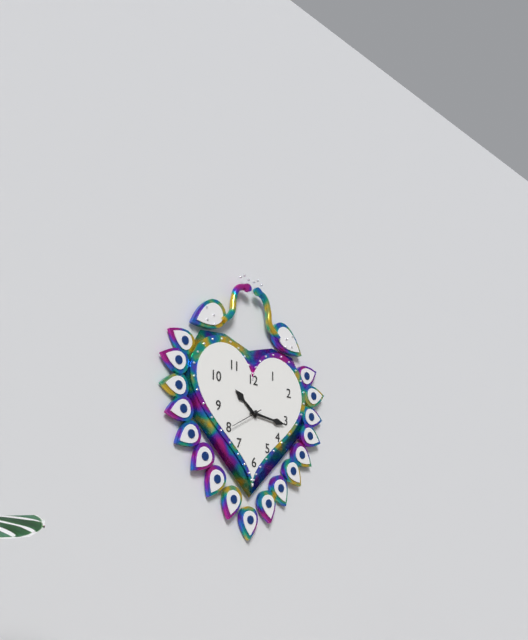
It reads 10h16
